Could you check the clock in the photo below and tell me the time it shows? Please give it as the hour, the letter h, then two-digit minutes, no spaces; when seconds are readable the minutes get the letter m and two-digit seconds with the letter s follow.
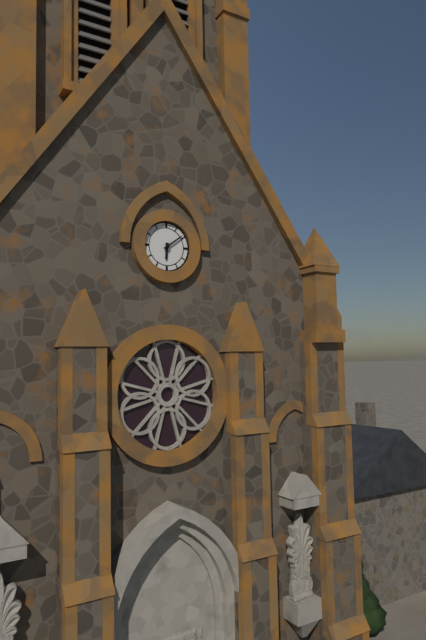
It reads 6h09
